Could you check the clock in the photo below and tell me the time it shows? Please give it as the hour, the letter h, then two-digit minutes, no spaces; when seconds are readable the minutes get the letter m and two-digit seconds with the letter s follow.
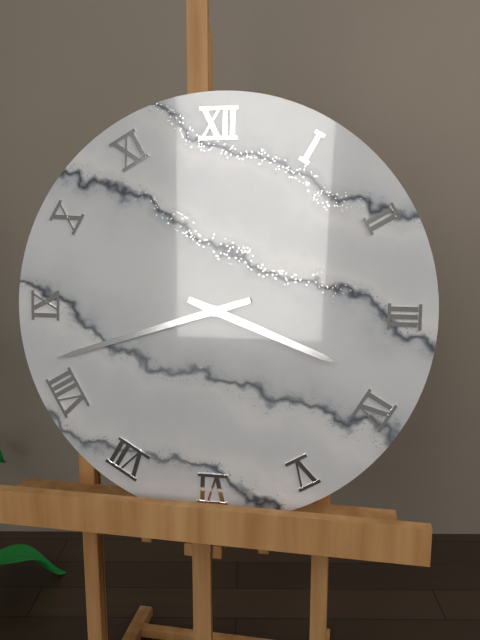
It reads 3h42
